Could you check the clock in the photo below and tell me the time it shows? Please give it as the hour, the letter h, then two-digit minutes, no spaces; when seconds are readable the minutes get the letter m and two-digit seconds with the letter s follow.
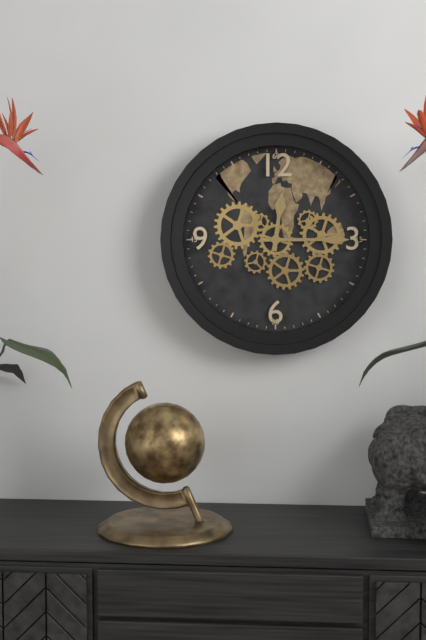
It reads 12h15
